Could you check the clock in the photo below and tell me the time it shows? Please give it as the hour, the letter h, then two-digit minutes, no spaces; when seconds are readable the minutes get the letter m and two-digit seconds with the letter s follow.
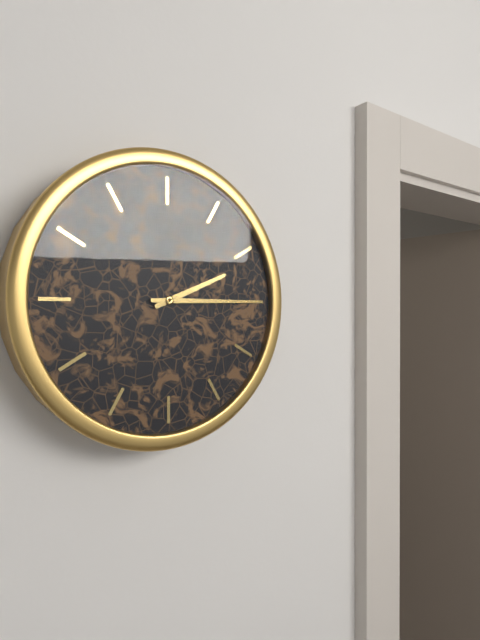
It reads 2h15
